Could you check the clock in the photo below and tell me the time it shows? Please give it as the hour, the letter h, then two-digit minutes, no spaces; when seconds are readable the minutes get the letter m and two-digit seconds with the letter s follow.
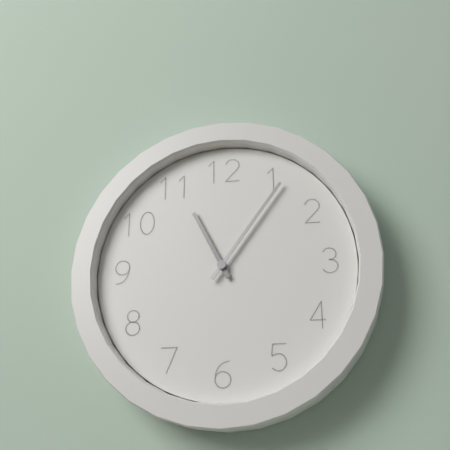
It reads 11h06
